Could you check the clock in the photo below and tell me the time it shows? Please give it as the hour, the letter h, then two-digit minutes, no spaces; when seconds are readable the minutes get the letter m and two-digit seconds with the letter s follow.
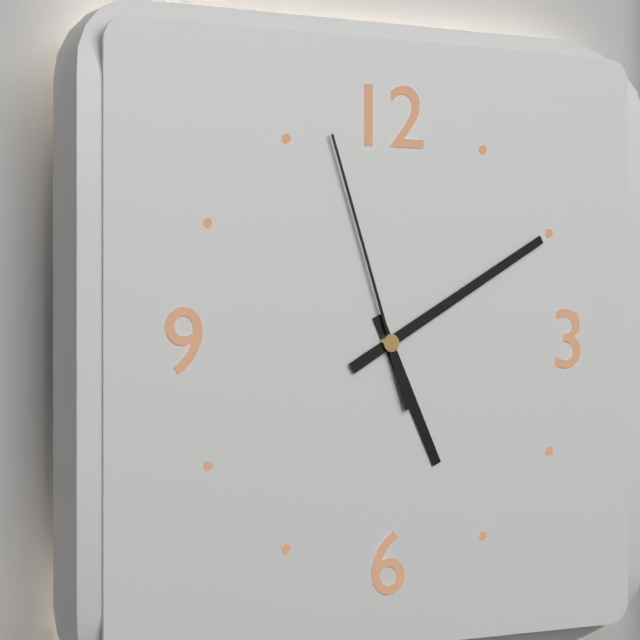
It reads 5h10m57s
